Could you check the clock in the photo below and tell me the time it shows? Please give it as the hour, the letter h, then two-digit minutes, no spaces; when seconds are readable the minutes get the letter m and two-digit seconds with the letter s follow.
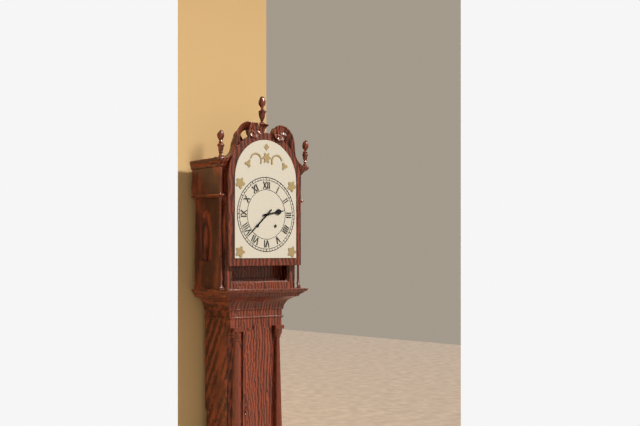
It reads 2h38
